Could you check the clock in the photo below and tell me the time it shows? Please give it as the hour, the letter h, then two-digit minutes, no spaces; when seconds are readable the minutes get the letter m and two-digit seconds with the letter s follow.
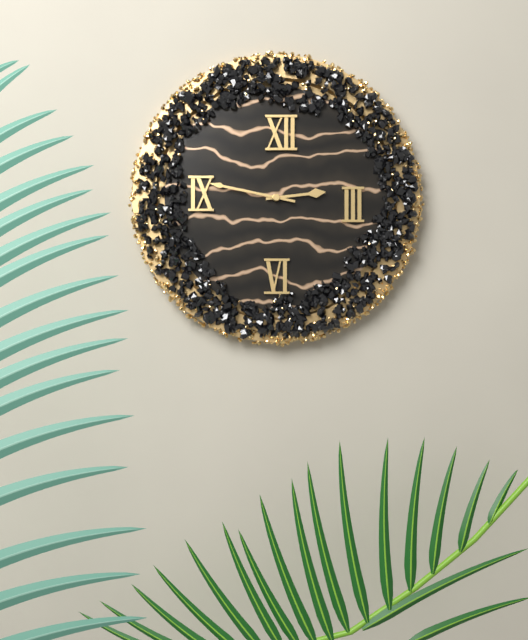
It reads 2h47
